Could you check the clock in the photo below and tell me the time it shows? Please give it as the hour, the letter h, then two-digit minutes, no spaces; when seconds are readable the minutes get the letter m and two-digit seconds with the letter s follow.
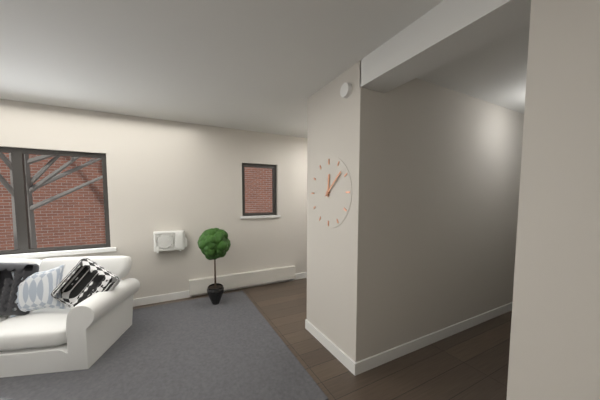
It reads 12h08
